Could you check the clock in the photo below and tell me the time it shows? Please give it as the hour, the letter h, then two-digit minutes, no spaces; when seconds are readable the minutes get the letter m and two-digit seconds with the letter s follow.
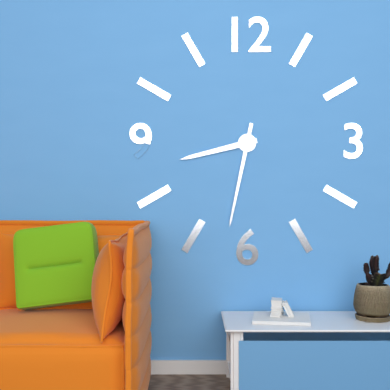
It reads 8h32
